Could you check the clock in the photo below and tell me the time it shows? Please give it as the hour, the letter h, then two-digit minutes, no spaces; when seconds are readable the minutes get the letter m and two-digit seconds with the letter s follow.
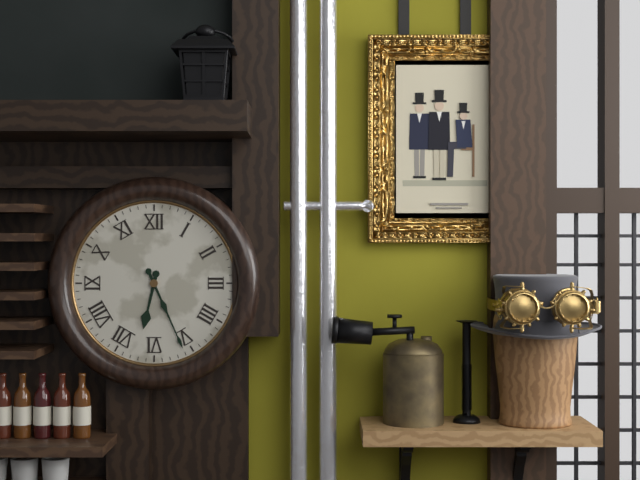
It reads 6h26
